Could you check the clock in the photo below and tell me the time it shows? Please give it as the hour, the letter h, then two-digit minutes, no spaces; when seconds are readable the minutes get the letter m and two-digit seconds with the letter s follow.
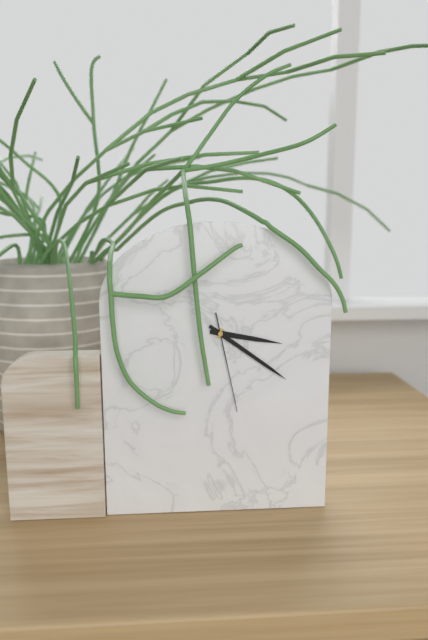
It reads 3h21m28s
